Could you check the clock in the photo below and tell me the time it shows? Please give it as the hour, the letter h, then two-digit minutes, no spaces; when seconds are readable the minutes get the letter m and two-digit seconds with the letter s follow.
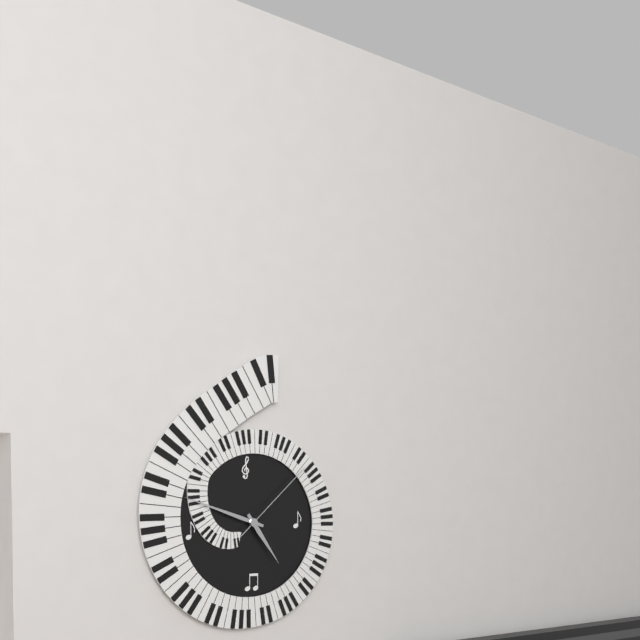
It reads 4h48m08s
